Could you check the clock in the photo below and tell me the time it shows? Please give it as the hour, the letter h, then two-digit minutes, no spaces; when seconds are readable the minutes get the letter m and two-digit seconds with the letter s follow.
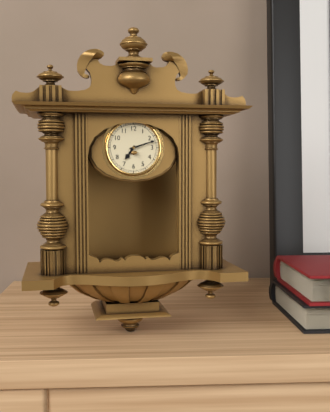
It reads 7h12
